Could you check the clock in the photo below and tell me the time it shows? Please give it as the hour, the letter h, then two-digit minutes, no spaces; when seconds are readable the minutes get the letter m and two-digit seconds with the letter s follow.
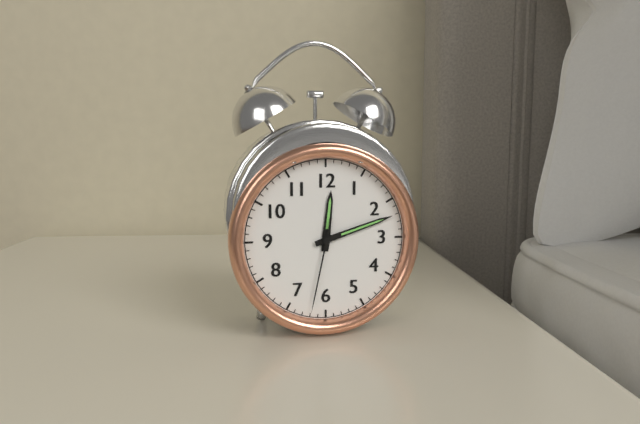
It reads 12h12m32s
